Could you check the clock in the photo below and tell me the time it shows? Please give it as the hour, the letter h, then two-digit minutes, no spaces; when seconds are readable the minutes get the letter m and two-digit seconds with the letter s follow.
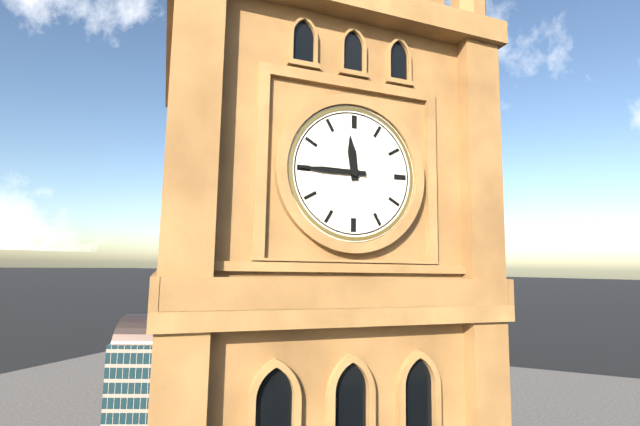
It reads 11h45
